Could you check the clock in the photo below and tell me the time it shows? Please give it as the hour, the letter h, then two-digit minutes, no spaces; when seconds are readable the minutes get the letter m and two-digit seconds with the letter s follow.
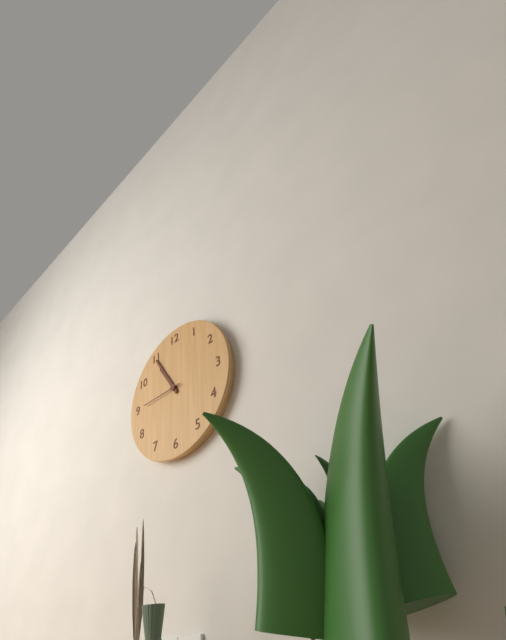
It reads 10h55
